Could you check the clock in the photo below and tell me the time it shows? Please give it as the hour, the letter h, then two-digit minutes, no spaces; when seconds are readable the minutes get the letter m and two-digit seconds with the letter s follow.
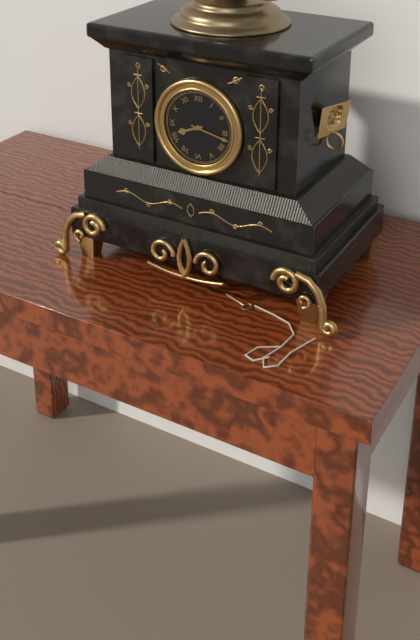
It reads 8h17
